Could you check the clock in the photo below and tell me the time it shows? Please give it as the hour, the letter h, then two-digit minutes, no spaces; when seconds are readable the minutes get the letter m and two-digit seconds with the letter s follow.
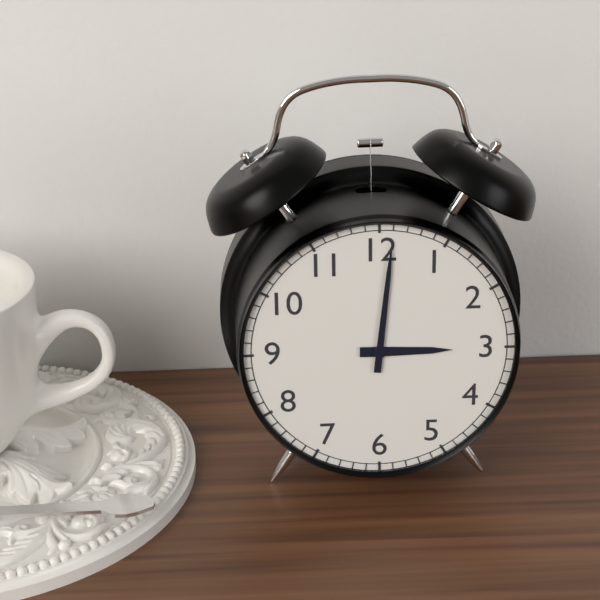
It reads 3h01
